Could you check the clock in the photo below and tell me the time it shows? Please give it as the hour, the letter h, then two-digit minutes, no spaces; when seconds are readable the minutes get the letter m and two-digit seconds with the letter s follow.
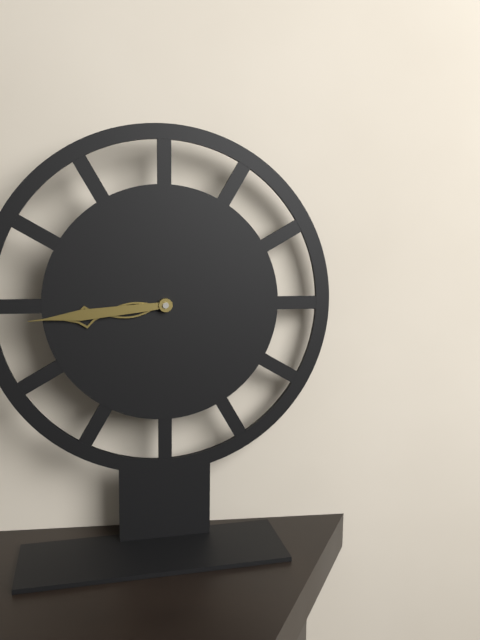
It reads 8h44
